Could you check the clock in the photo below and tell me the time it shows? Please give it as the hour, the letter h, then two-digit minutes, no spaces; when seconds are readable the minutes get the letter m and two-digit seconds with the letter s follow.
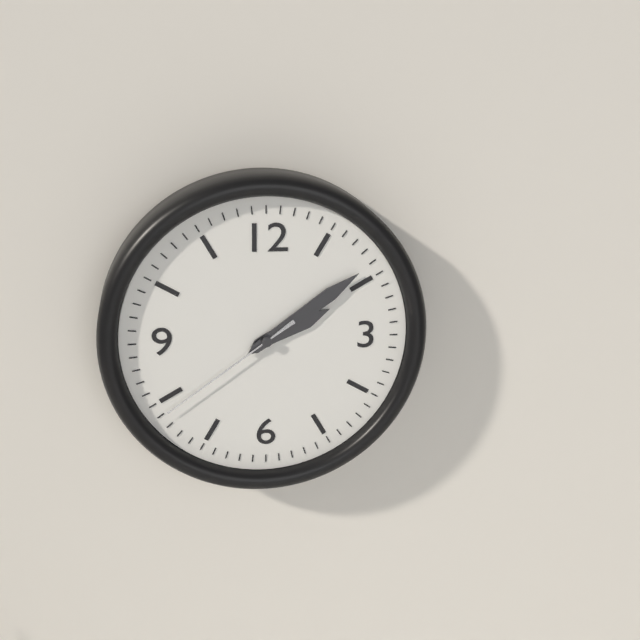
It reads 2h09m39s
